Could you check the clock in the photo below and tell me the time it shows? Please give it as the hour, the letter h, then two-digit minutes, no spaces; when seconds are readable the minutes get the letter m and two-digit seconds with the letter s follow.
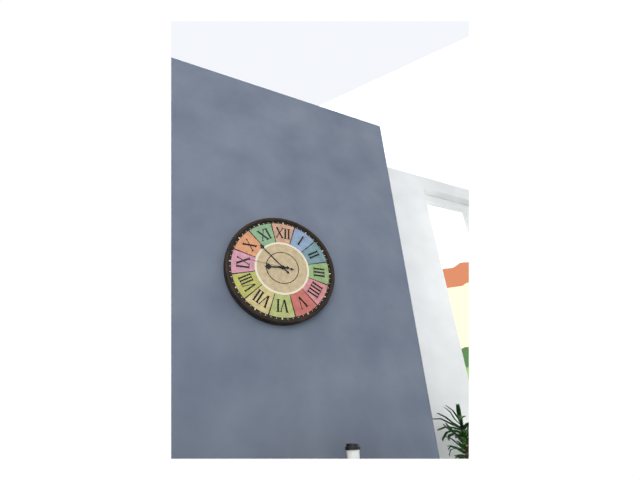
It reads 8h52
